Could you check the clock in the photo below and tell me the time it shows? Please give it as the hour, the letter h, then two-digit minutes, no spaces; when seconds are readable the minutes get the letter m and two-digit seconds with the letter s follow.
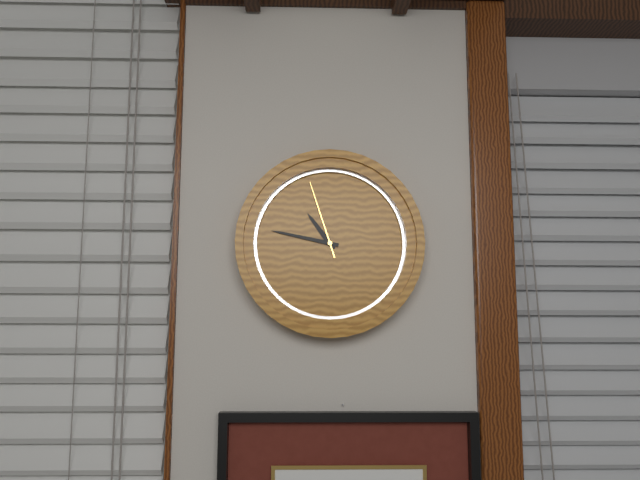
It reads 10h47m57s
